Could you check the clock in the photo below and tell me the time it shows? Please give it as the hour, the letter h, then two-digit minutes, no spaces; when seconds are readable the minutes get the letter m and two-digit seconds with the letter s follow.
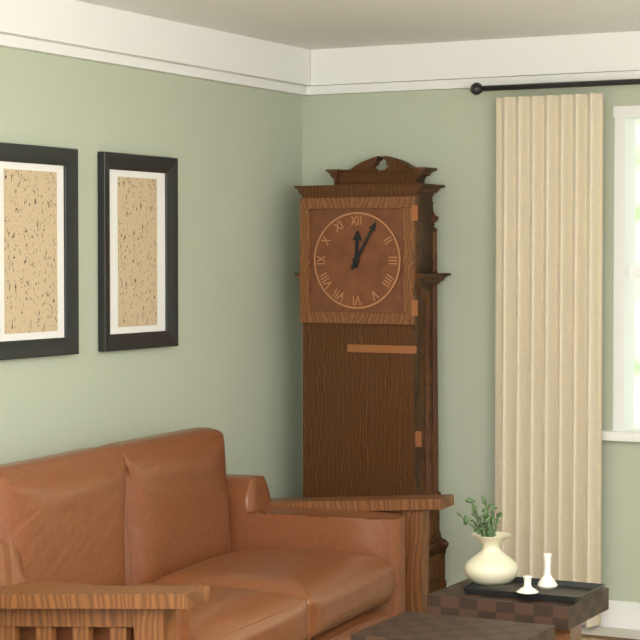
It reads 12h05
